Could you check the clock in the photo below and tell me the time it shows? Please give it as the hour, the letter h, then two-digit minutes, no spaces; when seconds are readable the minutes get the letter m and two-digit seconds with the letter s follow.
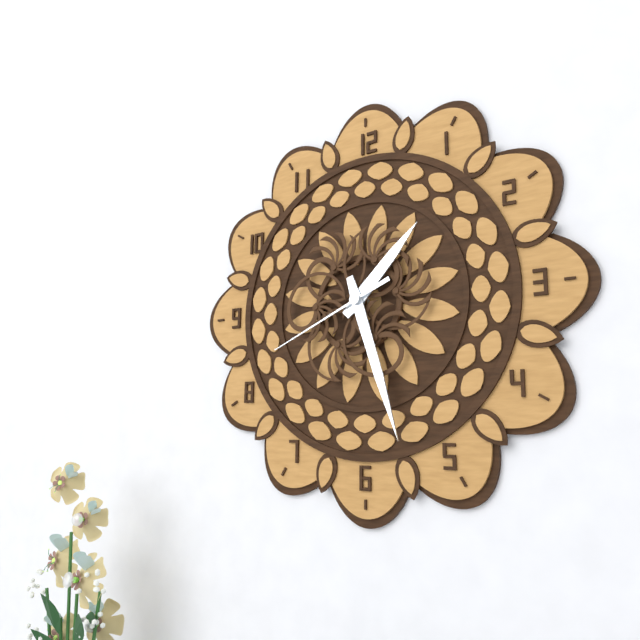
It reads 1h27m41s
